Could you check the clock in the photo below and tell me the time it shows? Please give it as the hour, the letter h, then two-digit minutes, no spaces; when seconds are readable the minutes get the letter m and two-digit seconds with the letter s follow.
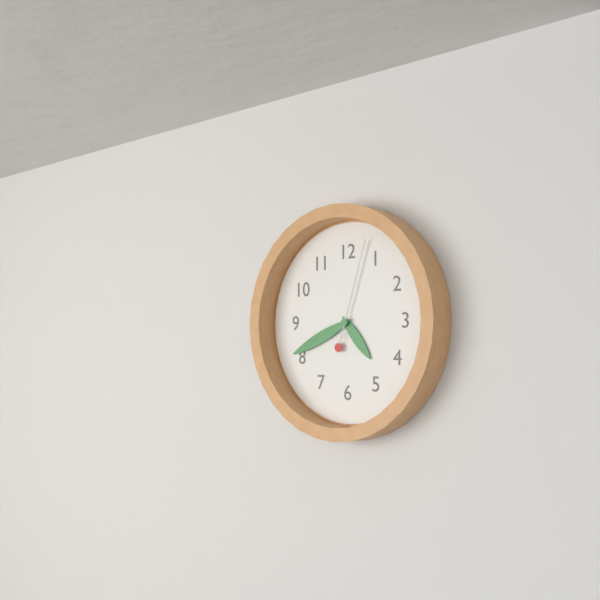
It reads 4h41m03s
